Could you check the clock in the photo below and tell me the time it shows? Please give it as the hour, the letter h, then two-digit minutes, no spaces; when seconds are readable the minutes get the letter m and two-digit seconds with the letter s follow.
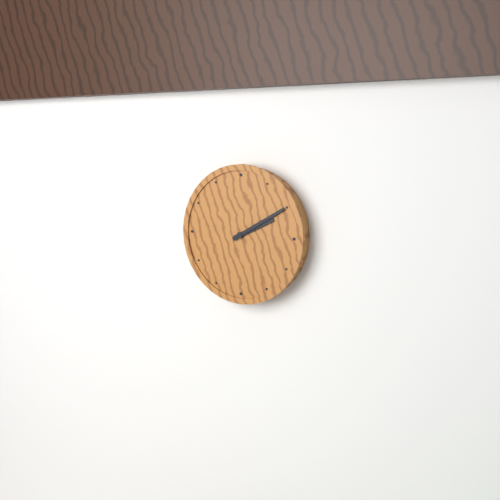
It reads 2h10
